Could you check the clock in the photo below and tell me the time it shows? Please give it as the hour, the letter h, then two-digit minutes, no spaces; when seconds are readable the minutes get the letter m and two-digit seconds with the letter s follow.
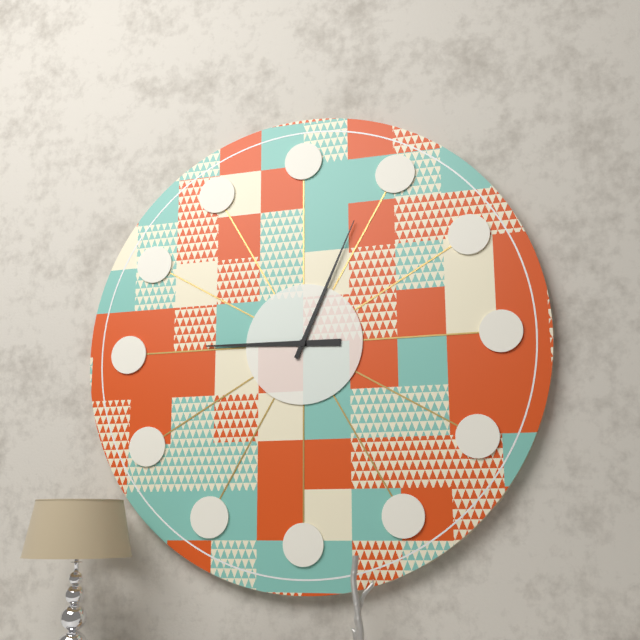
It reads 9h04
